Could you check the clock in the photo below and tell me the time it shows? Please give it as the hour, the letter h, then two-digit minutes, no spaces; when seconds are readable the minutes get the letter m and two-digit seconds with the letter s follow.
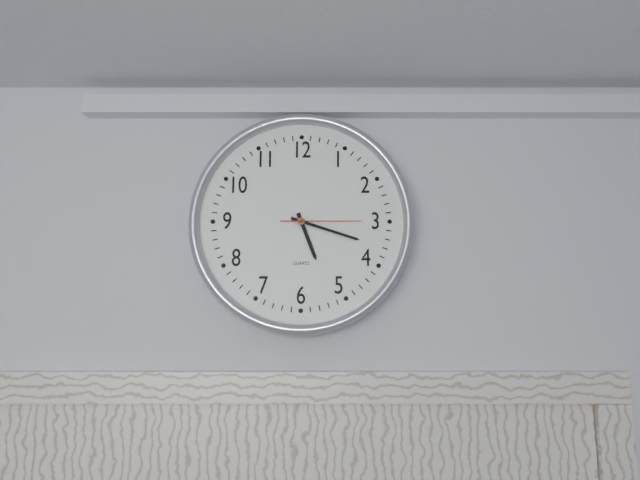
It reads 5h18m15s
